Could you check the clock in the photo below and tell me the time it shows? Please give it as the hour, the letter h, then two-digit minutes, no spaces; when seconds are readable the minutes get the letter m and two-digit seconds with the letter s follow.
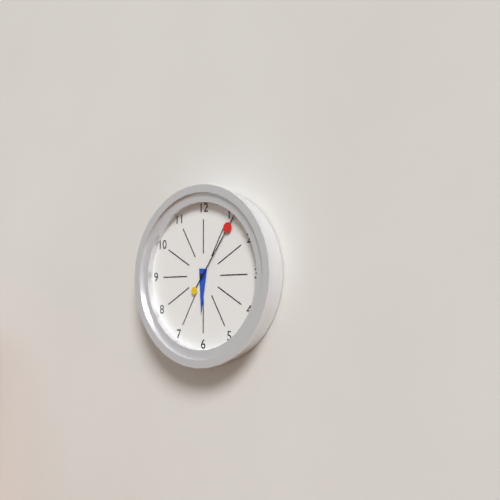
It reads 6h06
